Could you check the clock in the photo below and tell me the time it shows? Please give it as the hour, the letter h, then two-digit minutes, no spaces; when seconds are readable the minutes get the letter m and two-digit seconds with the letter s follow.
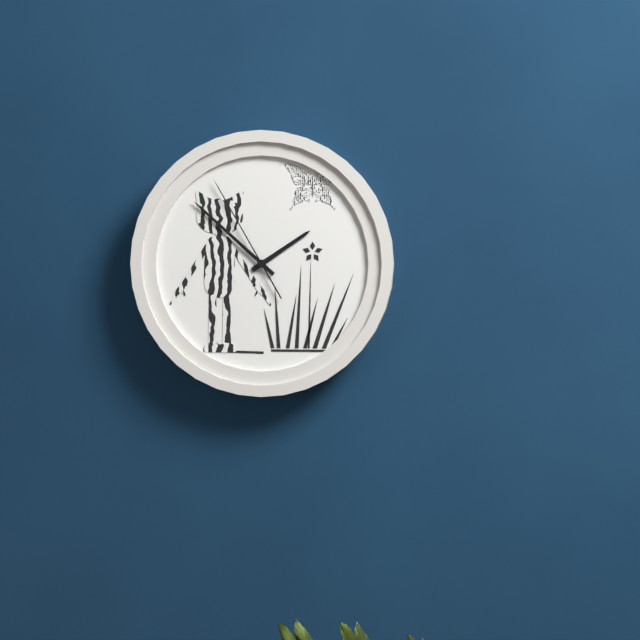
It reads 1h52m55s
